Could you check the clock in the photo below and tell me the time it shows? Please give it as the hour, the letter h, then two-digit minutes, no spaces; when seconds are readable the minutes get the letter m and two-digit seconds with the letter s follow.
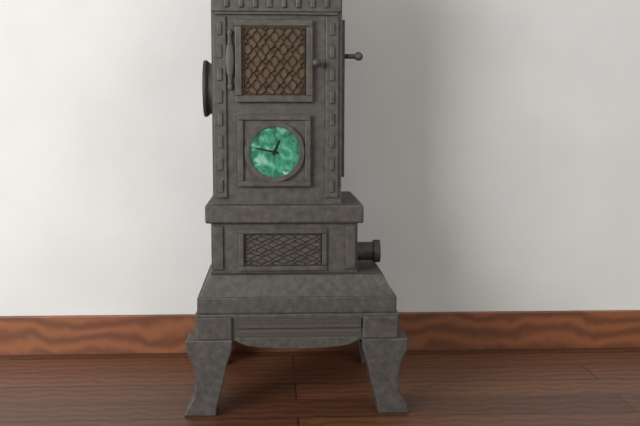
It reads 12h47
